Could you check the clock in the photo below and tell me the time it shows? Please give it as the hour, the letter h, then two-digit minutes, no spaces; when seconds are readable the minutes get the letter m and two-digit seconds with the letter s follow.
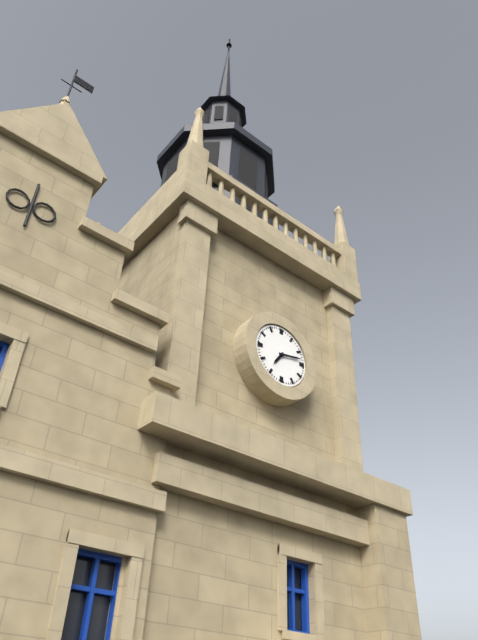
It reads 7h13
